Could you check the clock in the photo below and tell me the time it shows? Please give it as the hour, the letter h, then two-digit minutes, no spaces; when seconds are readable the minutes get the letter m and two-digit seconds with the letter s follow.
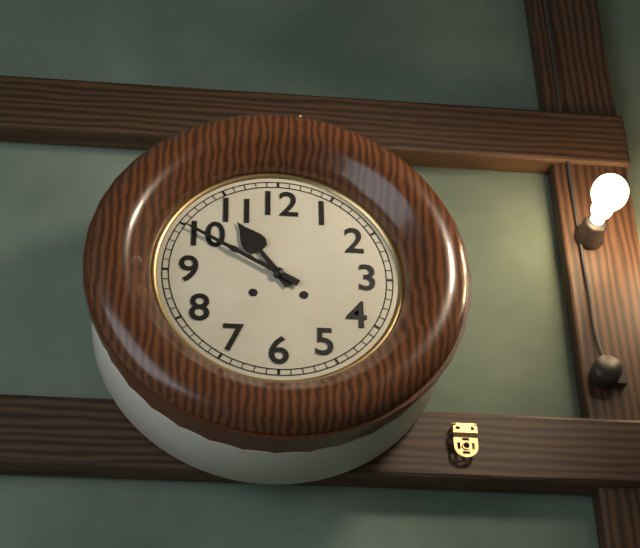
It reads 10h50
